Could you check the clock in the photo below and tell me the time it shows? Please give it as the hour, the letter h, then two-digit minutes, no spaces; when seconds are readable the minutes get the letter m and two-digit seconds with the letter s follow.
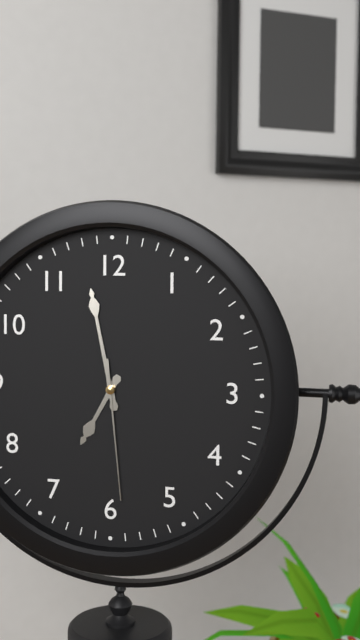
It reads 6h58m29s
